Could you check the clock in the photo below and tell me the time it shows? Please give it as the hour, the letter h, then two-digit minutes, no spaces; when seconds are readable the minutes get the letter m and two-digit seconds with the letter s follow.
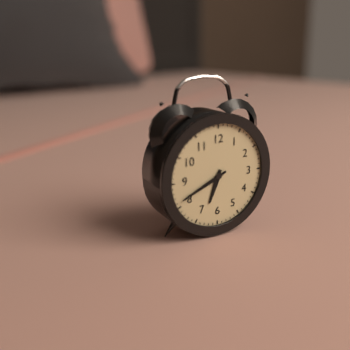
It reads 6h41
